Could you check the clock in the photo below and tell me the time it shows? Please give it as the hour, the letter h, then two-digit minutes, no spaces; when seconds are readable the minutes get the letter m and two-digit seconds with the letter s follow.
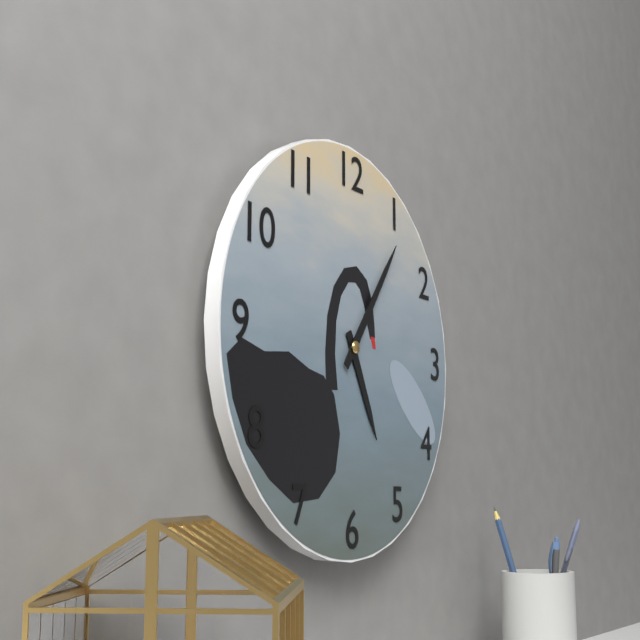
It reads 5h06
